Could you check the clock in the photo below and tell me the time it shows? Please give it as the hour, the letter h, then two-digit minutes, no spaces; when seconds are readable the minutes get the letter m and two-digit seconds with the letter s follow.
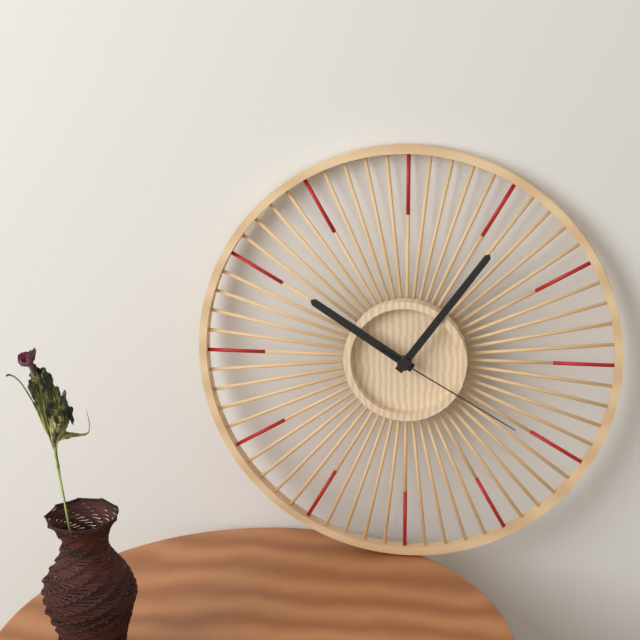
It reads 10h06m20s
